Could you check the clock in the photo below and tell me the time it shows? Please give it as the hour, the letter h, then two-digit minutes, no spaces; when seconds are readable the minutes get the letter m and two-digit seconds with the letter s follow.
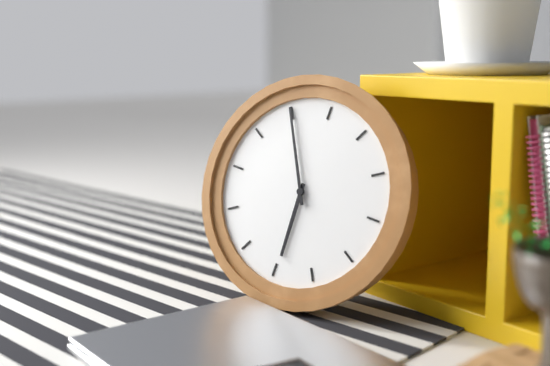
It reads 5h55
